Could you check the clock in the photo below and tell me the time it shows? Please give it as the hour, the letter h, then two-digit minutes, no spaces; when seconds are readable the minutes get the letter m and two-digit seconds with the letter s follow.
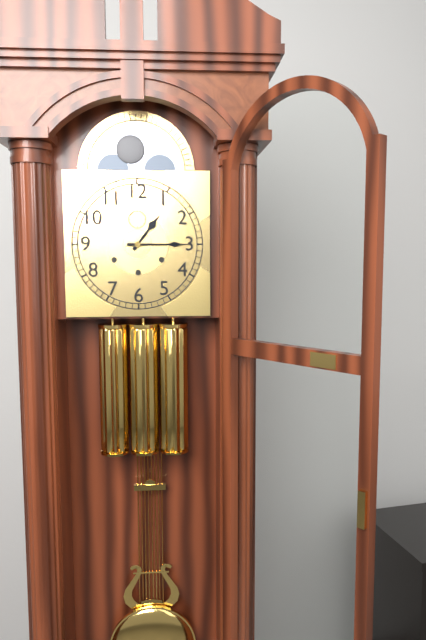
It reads 1h15
